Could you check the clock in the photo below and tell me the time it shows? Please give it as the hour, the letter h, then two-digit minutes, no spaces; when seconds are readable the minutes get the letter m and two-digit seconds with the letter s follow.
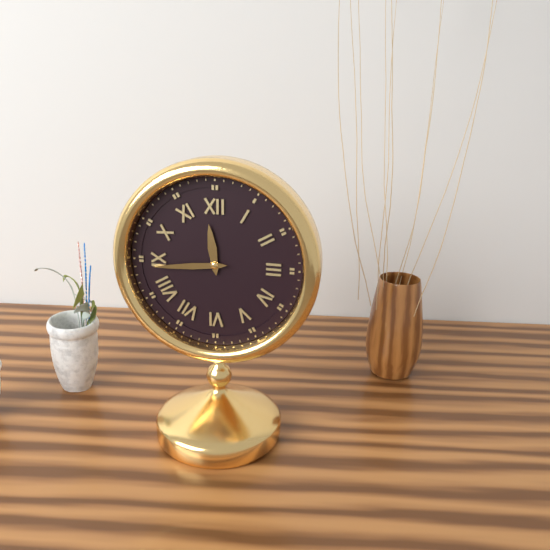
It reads 11h44
